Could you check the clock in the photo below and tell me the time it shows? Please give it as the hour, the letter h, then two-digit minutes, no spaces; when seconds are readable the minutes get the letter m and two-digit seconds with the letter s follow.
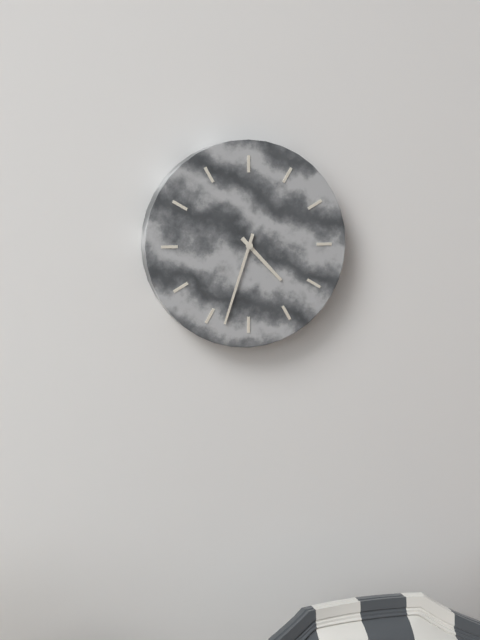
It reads 4h33
